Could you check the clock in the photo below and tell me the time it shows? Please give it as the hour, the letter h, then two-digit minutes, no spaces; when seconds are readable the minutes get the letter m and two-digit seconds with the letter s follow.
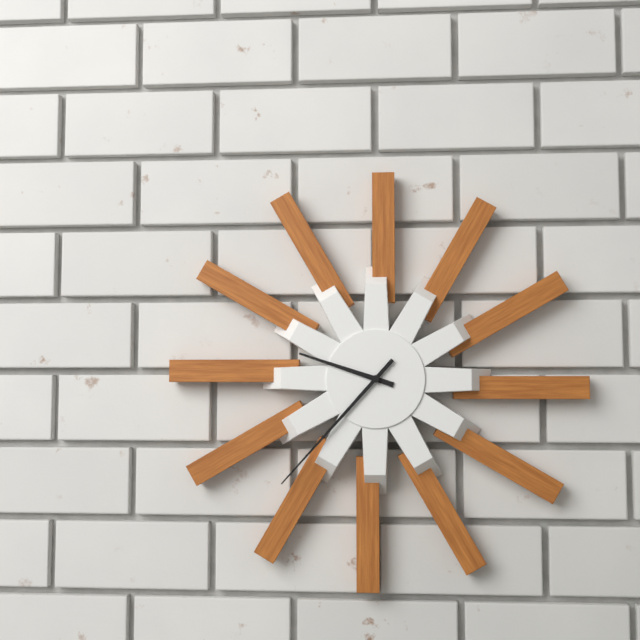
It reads 9h37
